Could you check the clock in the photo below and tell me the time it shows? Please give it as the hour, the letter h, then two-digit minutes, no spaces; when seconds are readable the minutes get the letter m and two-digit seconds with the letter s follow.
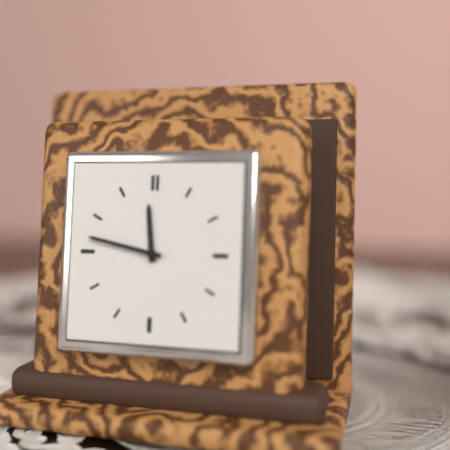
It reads 11h47
